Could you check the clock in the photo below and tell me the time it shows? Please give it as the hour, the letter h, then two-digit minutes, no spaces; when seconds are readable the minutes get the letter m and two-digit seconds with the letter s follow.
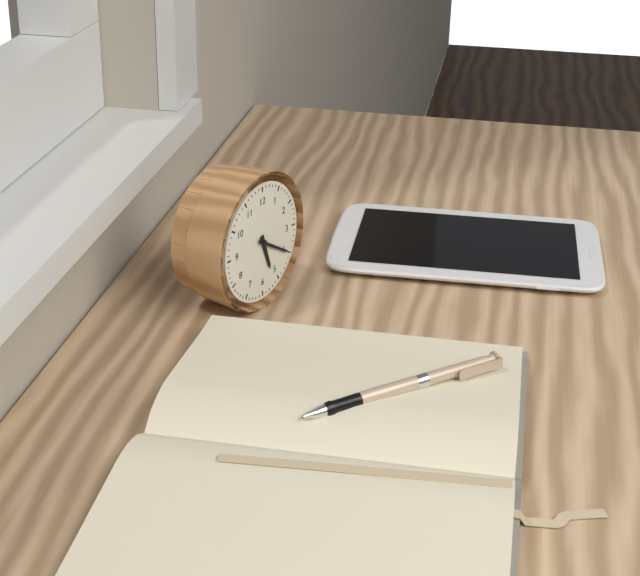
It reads 5h20
